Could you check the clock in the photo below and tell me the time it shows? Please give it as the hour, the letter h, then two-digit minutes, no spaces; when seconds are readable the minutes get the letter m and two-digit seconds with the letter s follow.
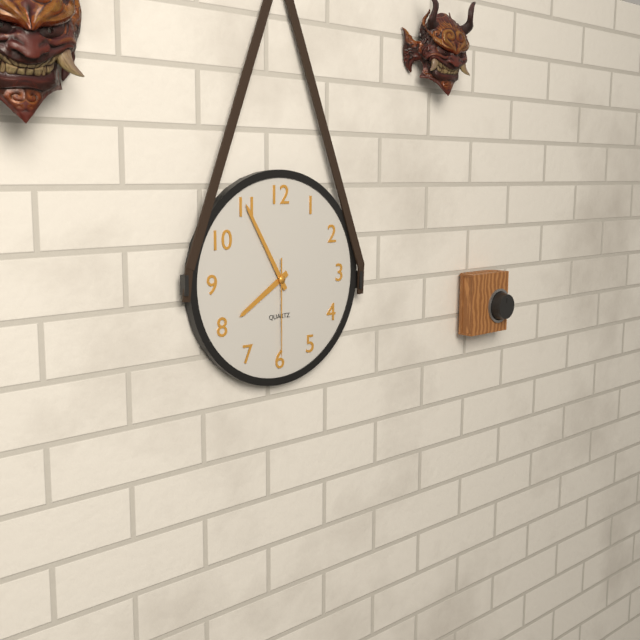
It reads 7h55m30s
